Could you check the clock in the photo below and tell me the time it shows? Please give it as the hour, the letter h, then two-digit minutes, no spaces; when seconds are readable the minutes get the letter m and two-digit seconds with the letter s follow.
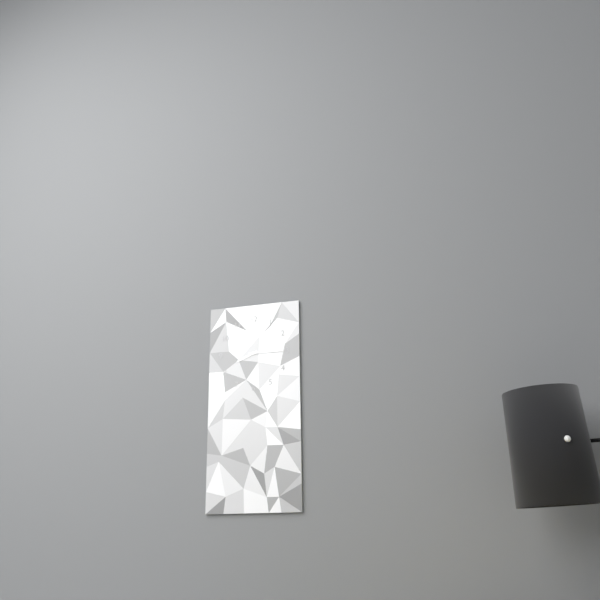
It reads 8h15
